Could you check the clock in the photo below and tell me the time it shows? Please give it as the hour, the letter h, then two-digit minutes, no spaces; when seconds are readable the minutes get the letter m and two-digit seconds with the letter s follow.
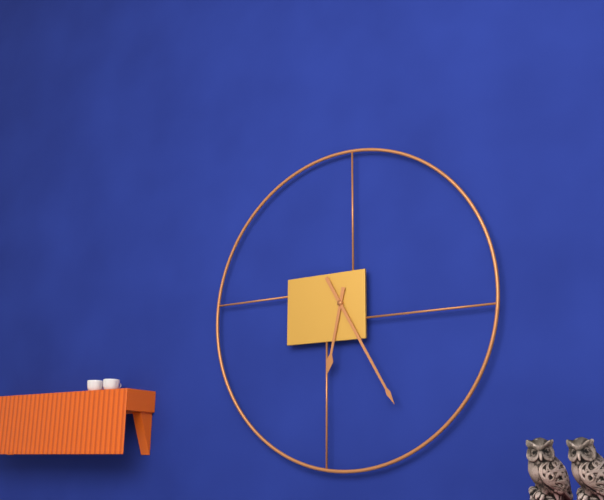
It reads 6h25
